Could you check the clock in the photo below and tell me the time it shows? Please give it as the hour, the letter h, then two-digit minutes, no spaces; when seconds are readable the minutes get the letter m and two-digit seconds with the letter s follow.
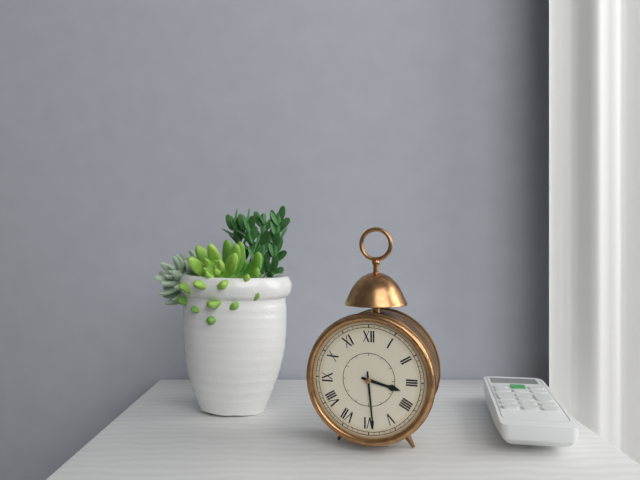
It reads 3h29
